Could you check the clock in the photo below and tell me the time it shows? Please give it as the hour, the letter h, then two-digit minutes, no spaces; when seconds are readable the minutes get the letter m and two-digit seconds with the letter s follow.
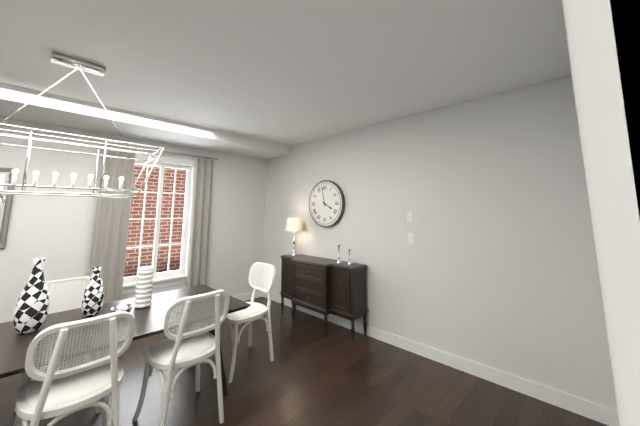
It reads 3h58
